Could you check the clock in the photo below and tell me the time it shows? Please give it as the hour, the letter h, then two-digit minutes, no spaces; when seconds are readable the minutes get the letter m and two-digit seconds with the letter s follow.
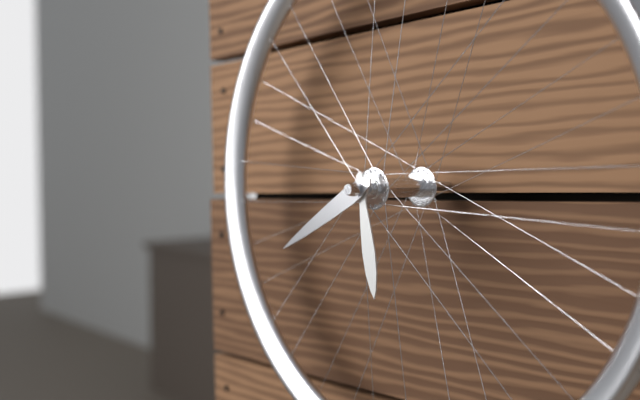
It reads 5h40
